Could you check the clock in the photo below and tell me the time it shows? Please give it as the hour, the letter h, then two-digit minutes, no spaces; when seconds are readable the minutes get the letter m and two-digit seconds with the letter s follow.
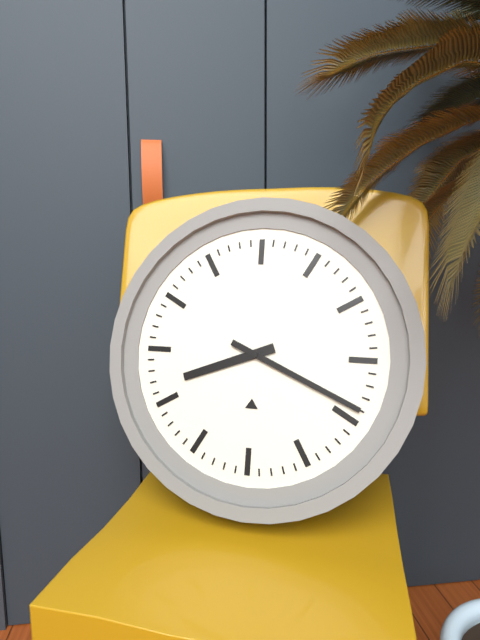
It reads 8h19
